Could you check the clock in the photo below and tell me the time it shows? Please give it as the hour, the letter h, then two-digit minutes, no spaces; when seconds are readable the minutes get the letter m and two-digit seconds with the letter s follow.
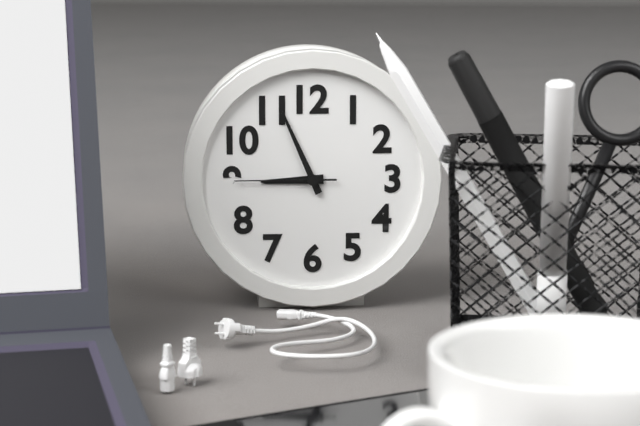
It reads 8h56m45s
